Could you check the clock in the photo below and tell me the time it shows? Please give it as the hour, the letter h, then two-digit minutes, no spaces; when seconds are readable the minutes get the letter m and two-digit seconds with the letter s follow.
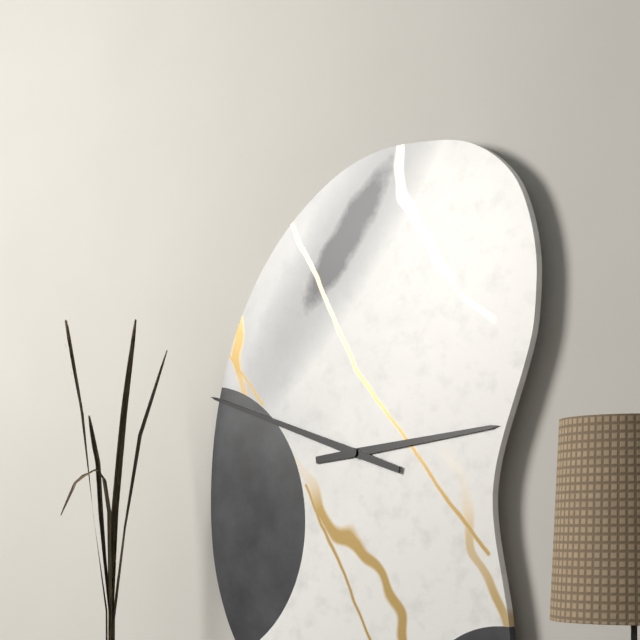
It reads 2h48
